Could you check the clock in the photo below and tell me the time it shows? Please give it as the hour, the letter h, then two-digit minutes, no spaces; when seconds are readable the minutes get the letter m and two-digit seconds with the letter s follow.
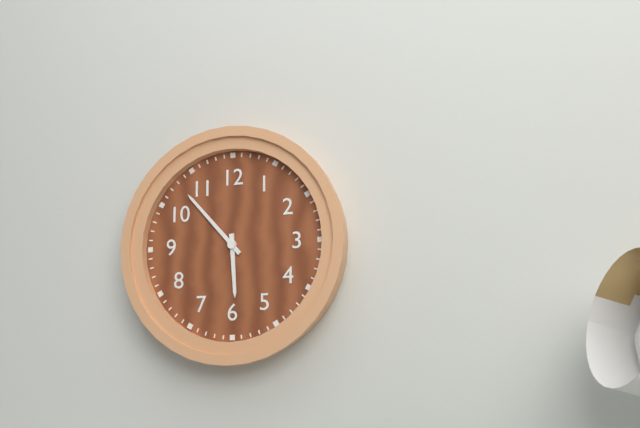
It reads 5h53
